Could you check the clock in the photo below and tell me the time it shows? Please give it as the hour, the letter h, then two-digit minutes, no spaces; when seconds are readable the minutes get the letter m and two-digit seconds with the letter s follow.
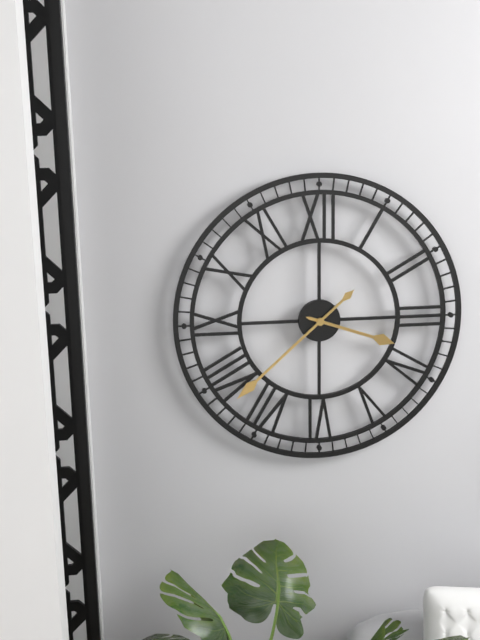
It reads 3h38
